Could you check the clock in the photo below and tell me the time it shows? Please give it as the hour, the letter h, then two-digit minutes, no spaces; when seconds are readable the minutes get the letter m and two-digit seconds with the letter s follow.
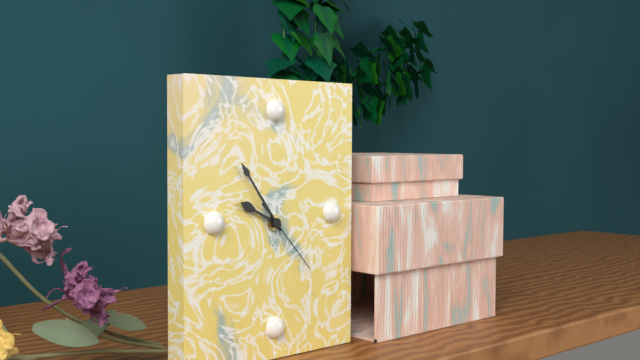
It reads 9h54m23s
